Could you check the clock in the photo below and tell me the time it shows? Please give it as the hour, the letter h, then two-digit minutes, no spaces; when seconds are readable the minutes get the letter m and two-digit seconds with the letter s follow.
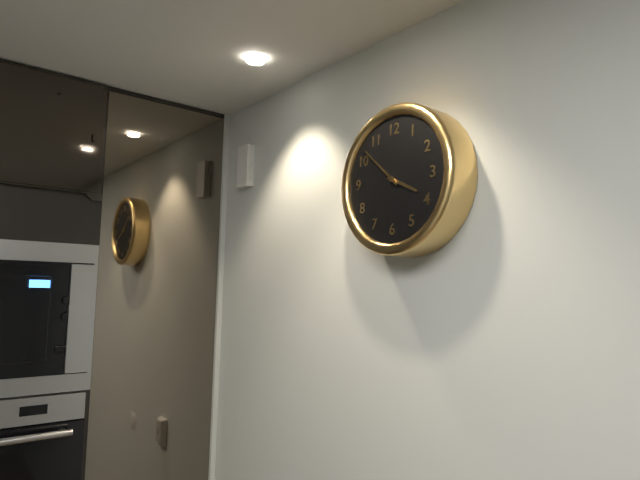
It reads 3h52
